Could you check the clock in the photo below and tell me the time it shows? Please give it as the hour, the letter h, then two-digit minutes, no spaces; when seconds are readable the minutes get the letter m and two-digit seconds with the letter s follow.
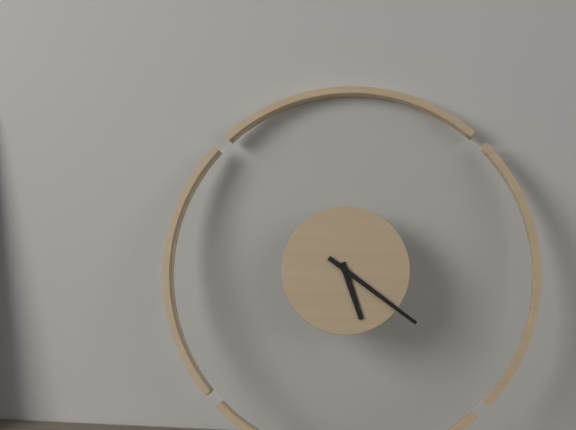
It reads 5h21
